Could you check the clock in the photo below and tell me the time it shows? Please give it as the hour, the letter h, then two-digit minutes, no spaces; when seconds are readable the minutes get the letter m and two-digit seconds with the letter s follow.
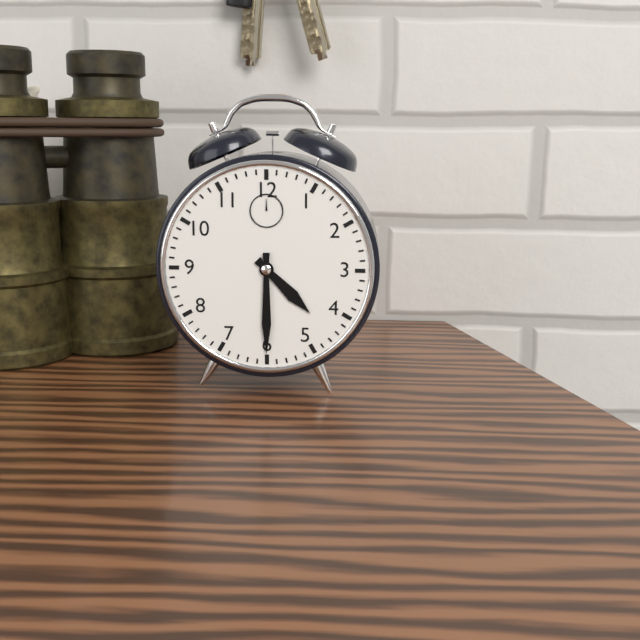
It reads 4h30
